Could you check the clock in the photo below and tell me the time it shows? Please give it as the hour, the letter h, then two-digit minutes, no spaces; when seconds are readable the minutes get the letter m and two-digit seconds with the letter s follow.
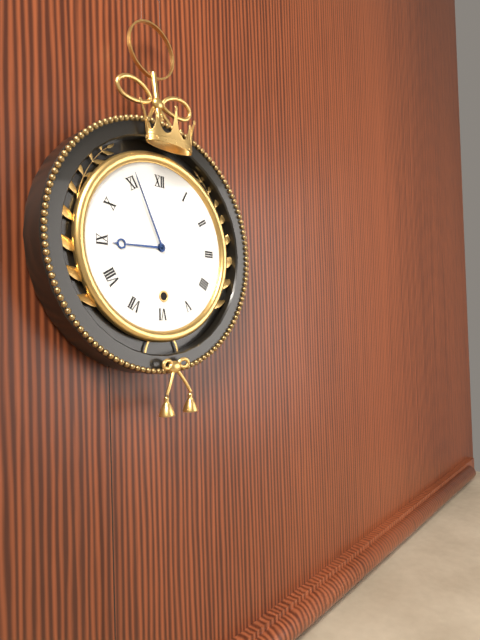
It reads 8h56
